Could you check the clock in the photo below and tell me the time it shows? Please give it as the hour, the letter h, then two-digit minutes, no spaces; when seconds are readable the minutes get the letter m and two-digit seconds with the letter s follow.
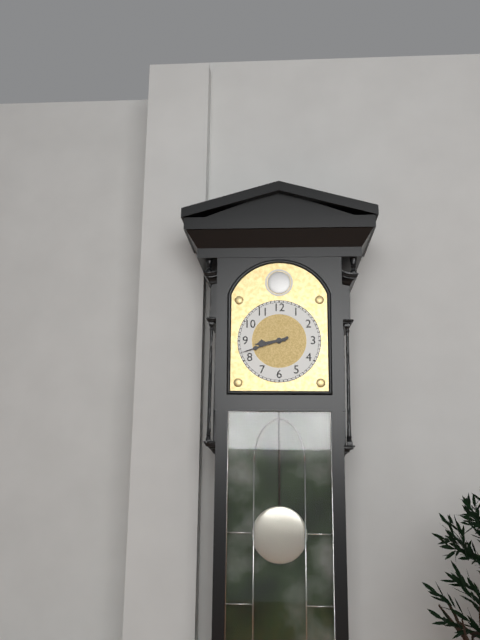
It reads 8h42
